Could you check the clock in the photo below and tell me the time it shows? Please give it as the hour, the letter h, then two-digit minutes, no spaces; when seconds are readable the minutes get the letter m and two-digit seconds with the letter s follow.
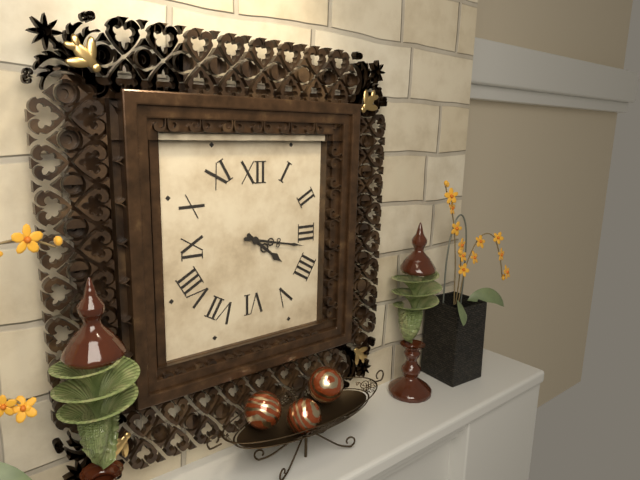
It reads 4h17
